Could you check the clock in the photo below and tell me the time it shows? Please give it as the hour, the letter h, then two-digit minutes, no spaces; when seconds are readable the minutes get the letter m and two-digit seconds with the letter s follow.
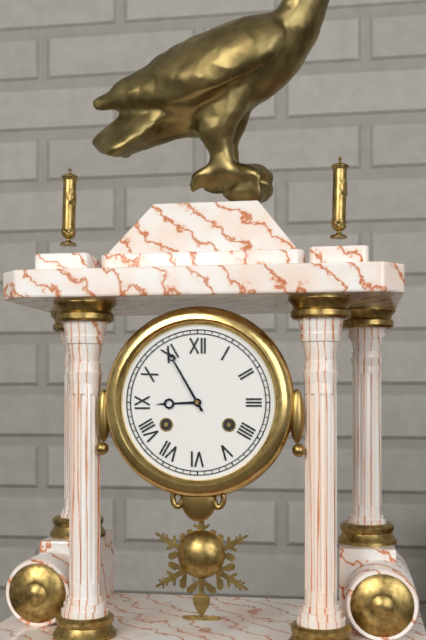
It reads 8h55
